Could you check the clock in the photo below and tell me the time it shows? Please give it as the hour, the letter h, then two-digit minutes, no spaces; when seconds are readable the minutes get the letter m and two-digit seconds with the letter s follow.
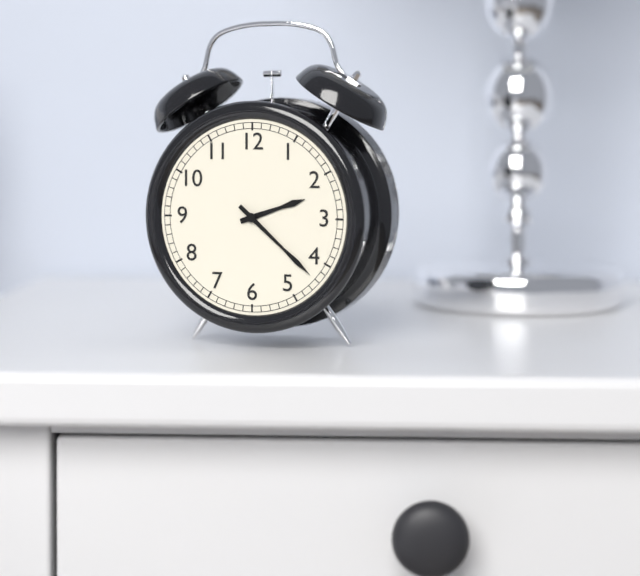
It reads 2h22
